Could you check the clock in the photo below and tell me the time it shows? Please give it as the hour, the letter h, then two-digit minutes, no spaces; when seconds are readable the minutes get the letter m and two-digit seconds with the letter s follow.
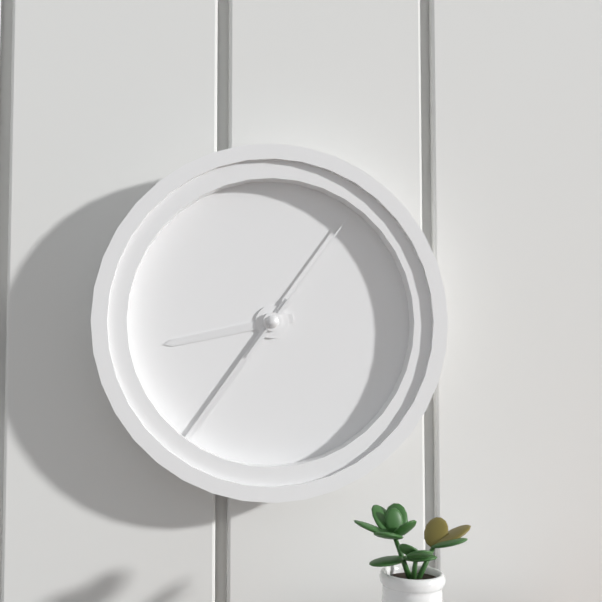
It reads 8h36m06s
